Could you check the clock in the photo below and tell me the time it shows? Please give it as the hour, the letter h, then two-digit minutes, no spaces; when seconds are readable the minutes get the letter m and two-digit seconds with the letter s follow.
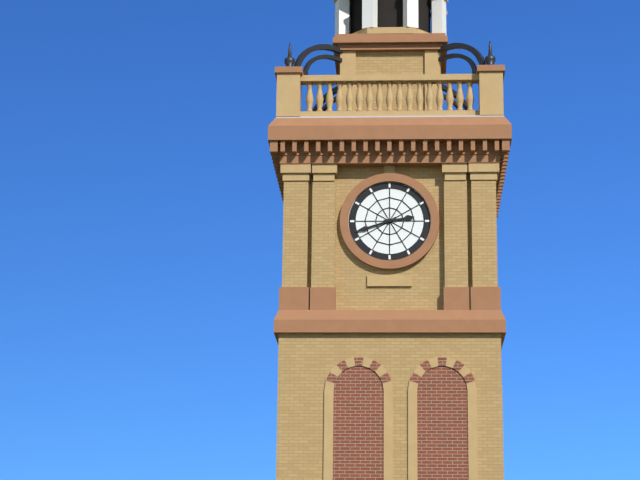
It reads 2h42
